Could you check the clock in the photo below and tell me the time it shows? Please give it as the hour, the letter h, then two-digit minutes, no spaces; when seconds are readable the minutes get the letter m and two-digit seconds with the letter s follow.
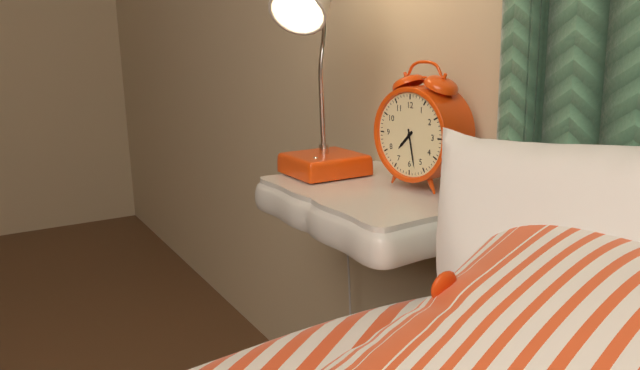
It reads 7h28
